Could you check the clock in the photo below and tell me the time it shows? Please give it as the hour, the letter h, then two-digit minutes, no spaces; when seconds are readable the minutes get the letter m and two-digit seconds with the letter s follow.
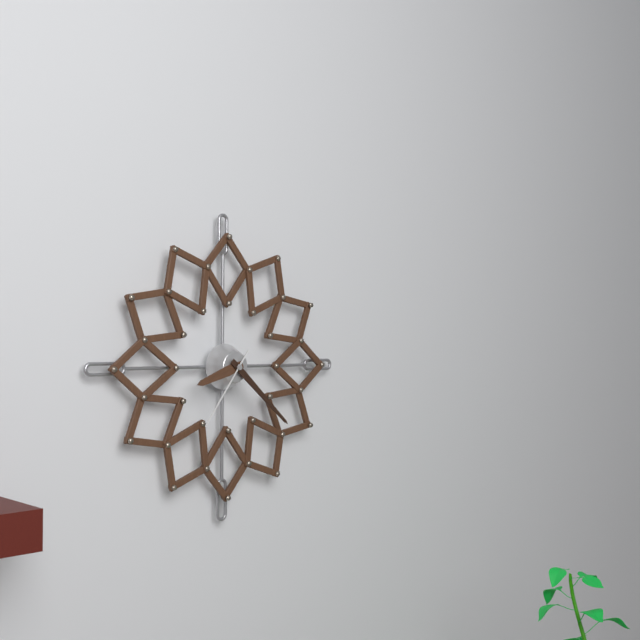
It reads 8h22m36s
